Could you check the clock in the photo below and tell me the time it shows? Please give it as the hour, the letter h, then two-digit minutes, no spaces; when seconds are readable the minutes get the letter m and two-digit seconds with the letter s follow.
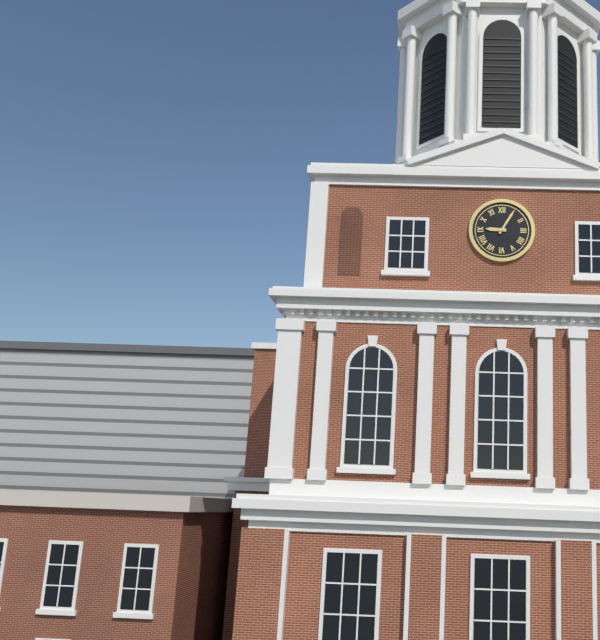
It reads 9h05
